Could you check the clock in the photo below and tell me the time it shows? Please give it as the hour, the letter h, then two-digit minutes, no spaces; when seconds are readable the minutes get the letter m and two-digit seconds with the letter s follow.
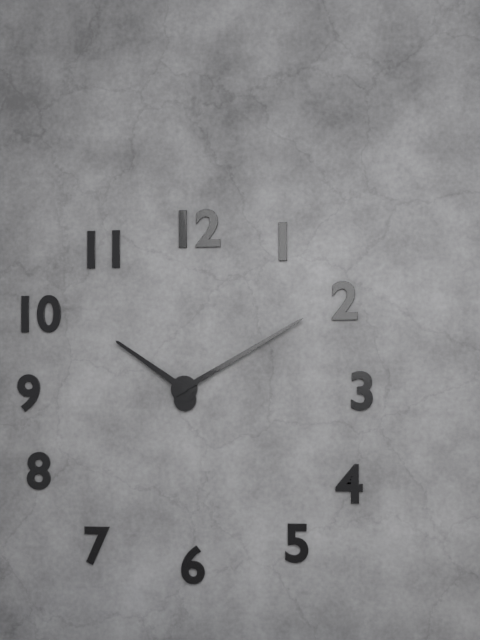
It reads 10h10
